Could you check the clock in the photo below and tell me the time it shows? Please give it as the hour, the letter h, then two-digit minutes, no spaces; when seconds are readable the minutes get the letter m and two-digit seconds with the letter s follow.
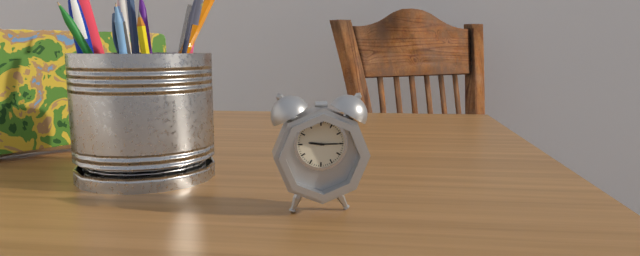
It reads 9h15
